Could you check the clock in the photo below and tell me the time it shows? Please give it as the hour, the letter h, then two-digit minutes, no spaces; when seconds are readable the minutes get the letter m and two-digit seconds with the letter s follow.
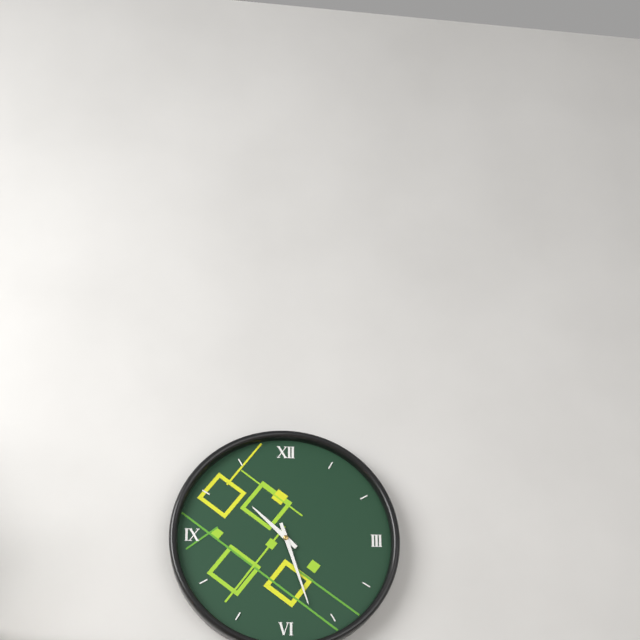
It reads 10h27
